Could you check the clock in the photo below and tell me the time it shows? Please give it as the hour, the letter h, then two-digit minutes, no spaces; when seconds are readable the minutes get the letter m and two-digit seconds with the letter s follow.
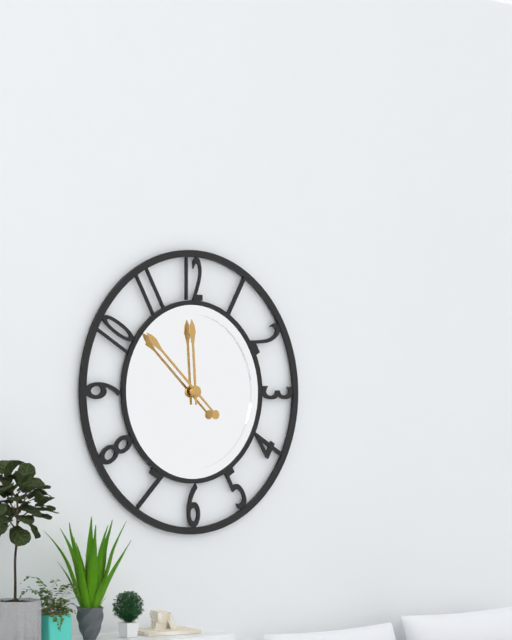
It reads 11h52
